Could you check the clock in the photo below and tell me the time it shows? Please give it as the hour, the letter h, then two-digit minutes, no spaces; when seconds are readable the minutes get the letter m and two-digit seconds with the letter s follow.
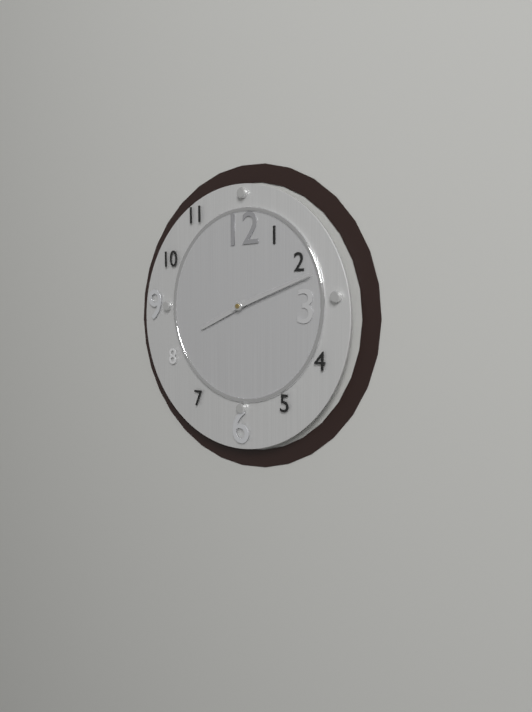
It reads 8h12
